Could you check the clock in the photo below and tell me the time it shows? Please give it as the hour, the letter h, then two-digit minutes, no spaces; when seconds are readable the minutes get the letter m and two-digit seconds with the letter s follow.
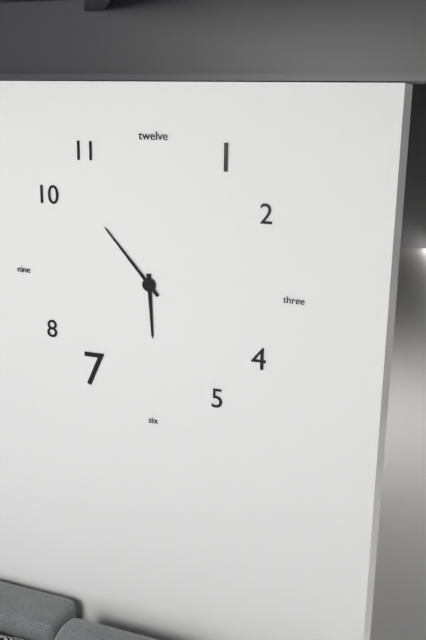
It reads 5h53
